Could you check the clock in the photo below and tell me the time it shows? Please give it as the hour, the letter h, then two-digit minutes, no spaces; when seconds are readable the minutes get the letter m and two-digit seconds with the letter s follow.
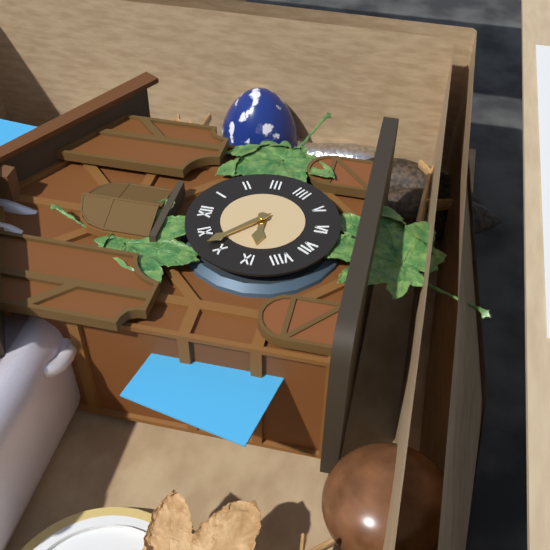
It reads 8h52
